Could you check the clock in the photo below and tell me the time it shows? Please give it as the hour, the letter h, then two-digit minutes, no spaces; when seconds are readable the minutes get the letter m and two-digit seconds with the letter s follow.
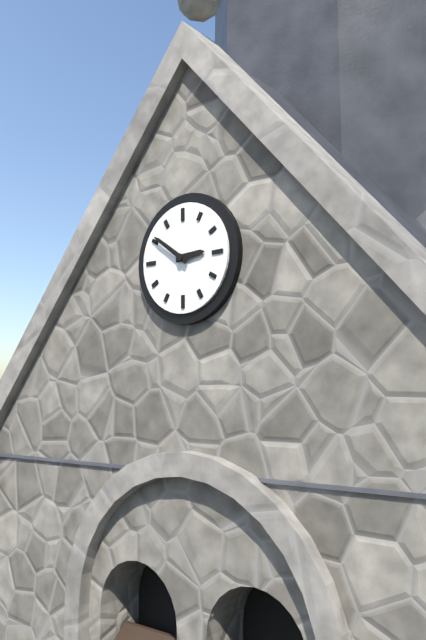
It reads 2h51
